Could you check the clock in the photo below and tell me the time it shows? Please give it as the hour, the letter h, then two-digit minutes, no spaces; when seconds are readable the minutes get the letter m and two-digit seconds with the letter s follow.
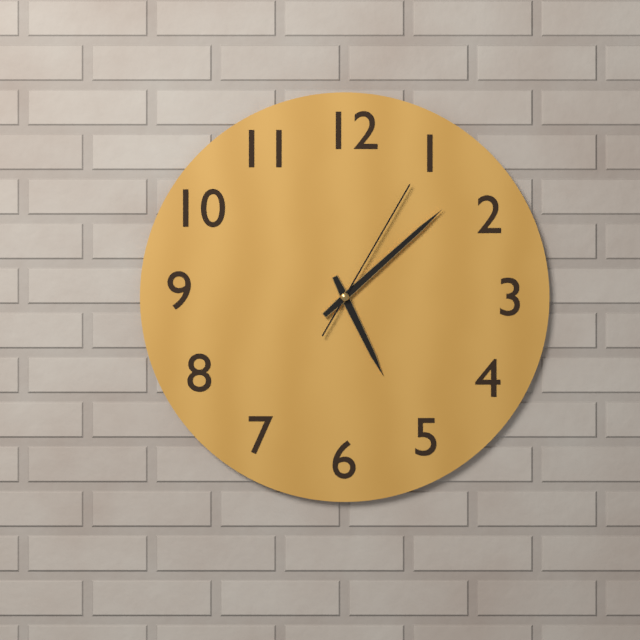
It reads 5h08m05s
